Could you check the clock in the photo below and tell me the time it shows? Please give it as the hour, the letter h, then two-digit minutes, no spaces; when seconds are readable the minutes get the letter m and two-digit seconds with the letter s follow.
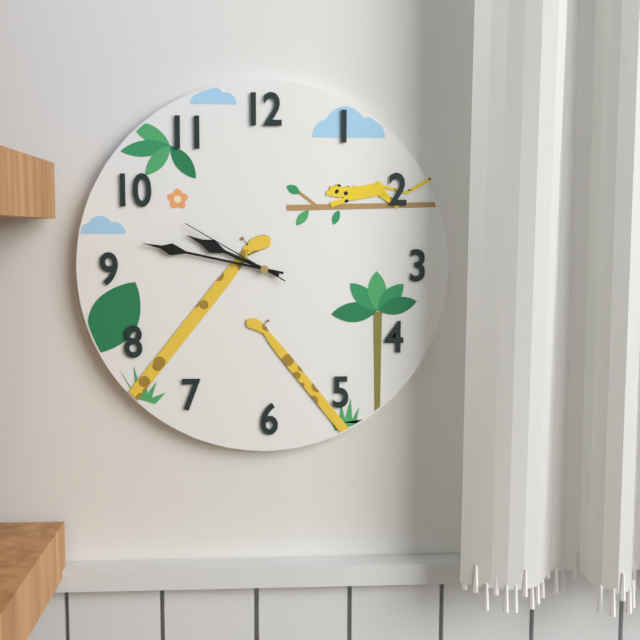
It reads 9h47m50s
